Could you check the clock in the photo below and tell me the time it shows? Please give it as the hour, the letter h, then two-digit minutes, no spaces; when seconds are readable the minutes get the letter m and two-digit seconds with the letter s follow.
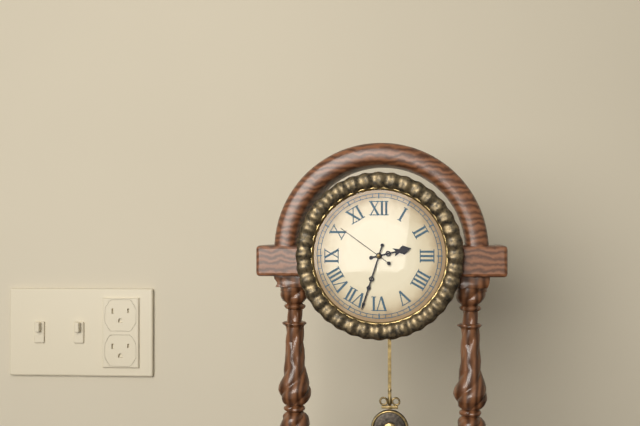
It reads 2h33m51s
